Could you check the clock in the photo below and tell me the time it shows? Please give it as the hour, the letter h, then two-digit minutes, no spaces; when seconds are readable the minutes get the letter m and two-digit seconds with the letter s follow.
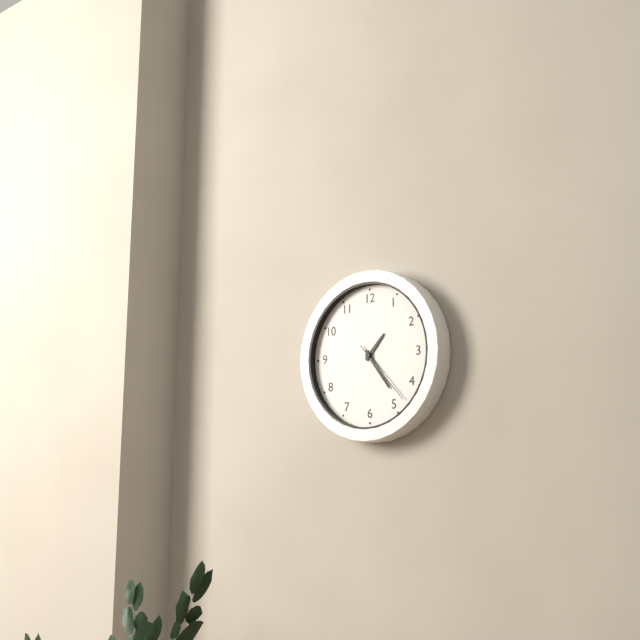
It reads 1h24m23s
